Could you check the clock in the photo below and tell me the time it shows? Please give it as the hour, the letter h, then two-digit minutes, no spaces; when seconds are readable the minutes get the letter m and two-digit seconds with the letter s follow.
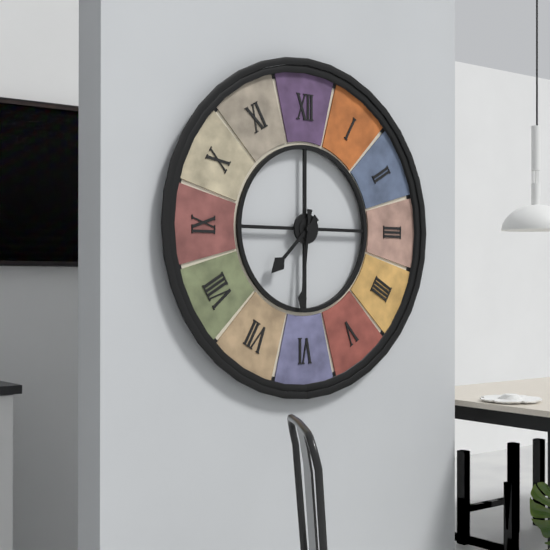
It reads 7h31
